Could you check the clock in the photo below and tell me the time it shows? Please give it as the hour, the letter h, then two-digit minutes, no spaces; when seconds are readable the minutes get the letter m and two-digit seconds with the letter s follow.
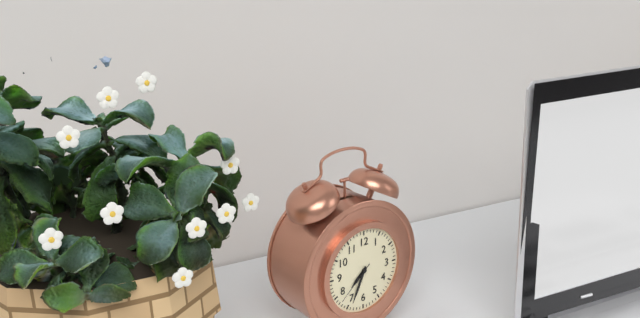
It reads 7h34m38s
